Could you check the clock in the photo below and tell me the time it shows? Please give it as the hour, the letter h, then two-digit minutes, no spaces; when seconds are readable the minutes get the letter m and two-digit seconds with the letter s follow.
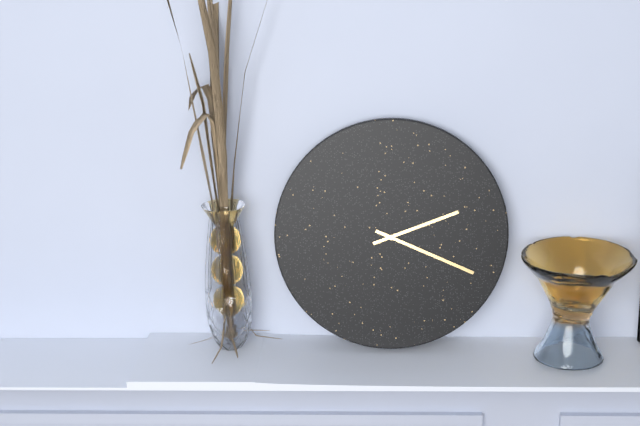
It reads 2h19
